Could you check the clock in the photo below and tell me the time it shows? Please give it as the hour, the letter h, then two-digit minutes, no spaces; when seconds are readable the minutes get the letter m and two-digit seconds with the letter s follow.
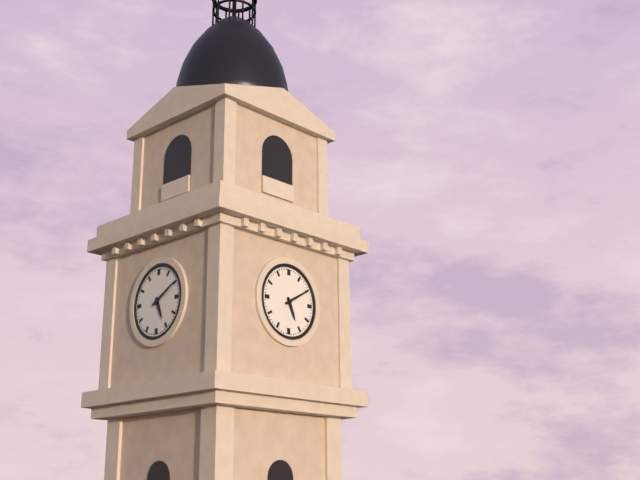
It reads 5h10
